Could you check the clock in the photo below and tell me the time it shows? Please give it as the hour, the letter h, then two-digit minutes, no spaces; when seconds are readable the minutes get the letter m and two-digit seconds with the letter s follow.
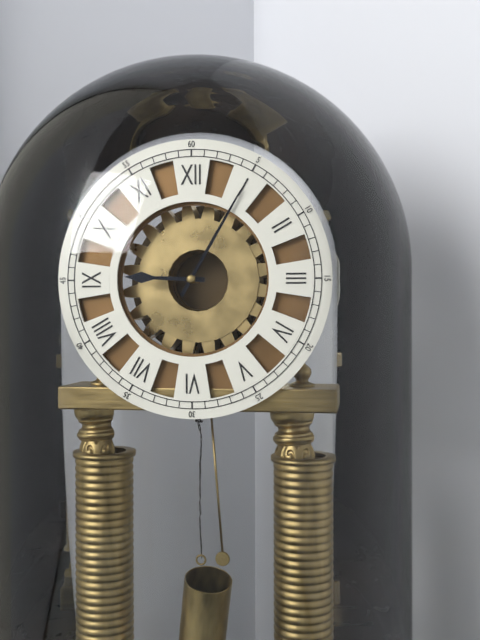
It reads 9h05
